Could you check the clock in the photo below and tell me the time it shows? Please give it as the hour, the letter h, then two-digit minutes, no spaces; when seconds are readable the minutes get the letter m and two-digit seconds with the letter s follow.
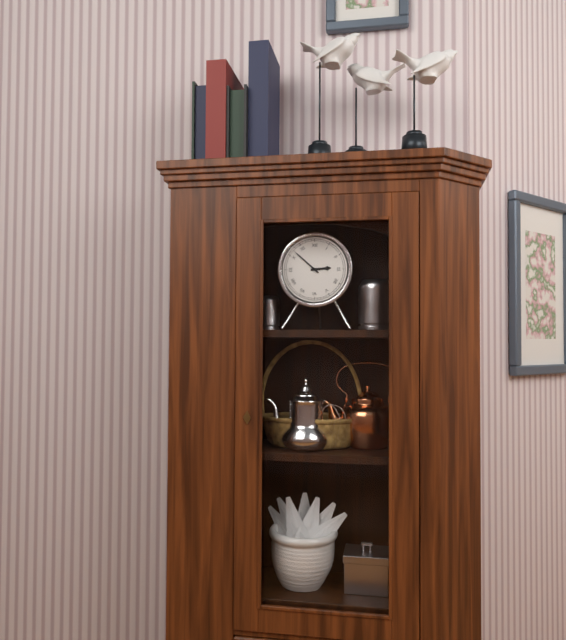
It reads 2h52
